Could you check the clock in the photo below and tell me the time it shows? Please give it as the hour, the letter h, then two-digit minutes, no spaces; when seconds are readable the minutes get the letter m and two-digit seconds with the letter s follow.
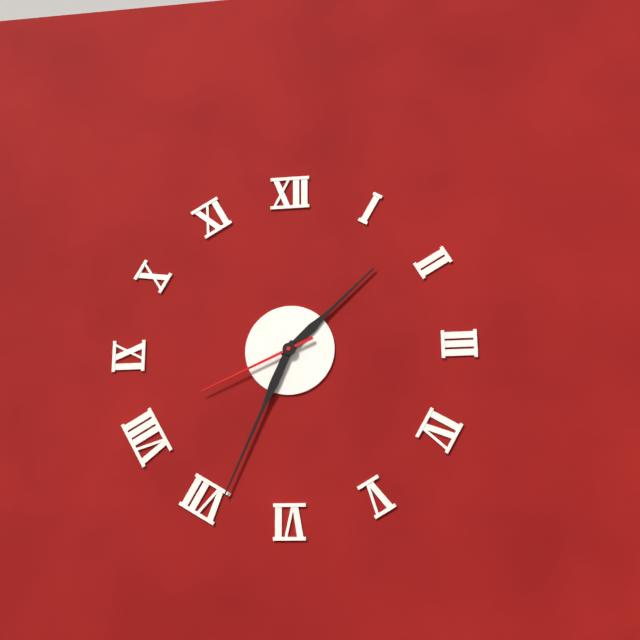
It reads 1h34m41s
